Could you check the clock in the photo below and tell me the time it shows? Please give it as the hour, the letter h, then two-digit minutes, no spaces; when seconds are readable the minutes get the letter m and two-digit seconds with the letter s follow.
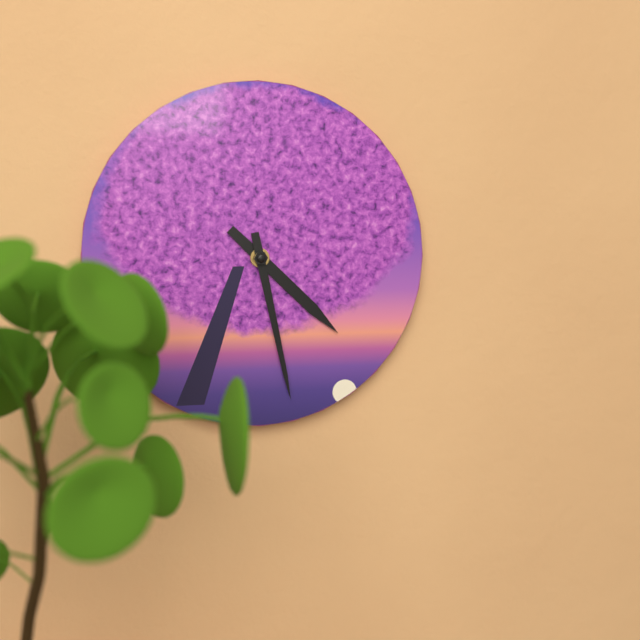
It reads 4h28
